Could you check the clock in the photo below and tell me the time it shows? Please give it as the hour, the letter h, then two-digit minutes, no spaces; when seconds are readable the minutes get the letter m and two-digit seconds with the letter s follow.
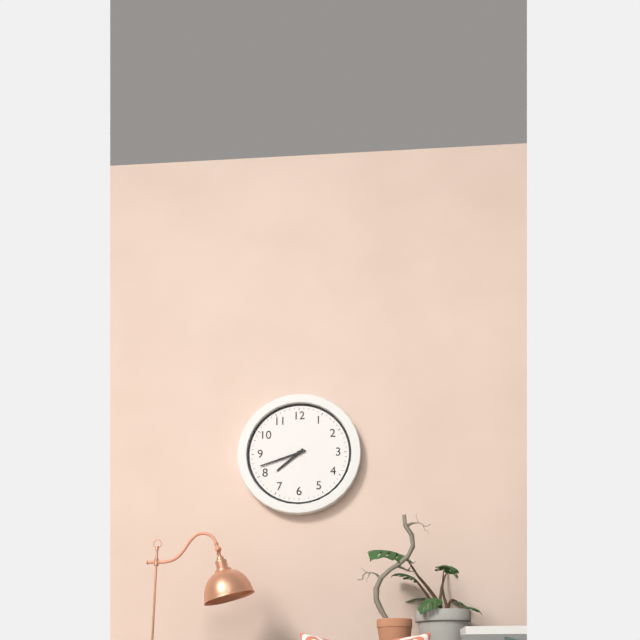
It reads 7h42
